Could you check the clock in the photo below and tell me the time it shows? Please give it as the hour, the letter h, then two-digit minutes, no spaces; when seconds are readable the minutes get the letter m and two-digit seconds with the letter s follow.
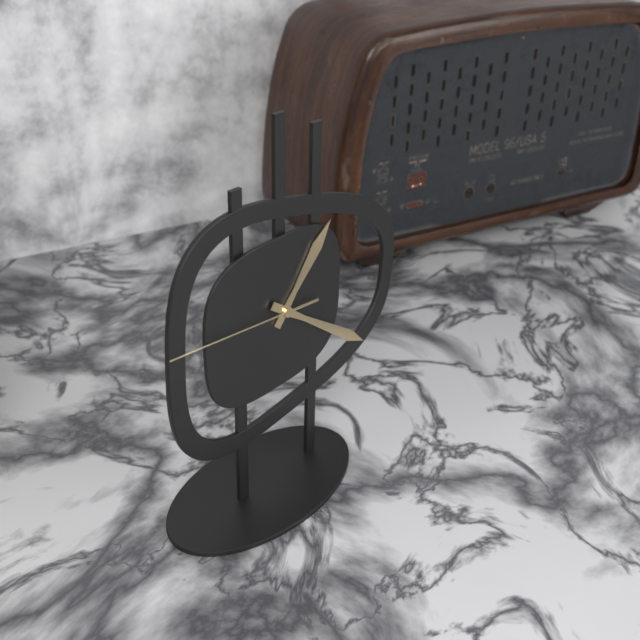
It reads 1h21m46s
